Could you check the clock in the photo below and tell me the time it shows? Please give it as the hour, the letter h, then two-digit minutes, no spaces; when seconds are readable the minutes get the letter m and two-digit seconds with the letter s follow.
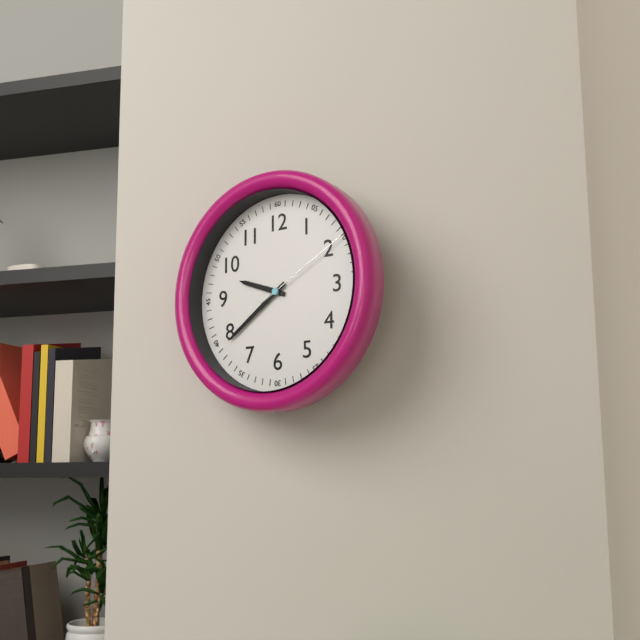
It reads 9h39m10s
